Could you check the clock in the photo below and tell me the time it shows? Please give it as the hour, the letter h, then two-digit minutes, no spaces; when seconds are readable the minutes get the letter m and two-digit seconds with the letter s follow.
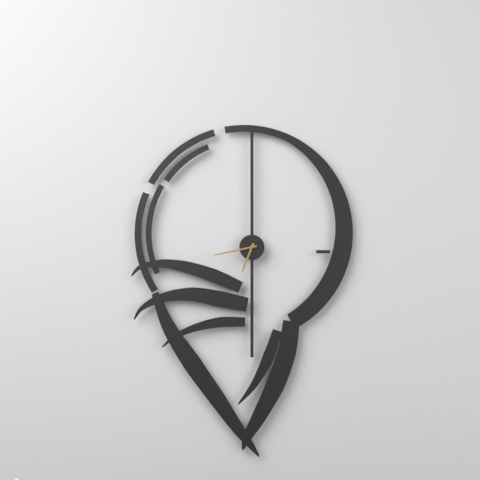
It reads 6h43
